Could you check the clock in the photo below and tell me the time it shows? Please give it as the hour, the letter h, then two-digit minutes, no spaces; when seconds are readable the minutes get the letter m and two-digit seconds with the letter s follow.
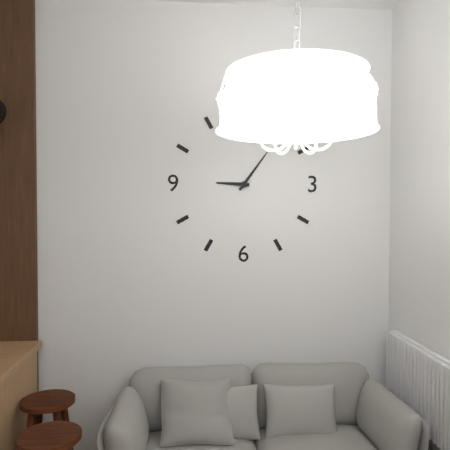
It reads 9h06
